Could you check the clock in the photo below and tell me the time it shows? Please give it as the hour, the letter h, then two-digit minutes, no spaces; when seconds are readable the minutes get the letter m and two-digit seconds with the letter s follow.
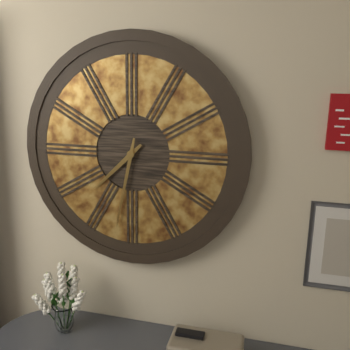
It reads 7h32
